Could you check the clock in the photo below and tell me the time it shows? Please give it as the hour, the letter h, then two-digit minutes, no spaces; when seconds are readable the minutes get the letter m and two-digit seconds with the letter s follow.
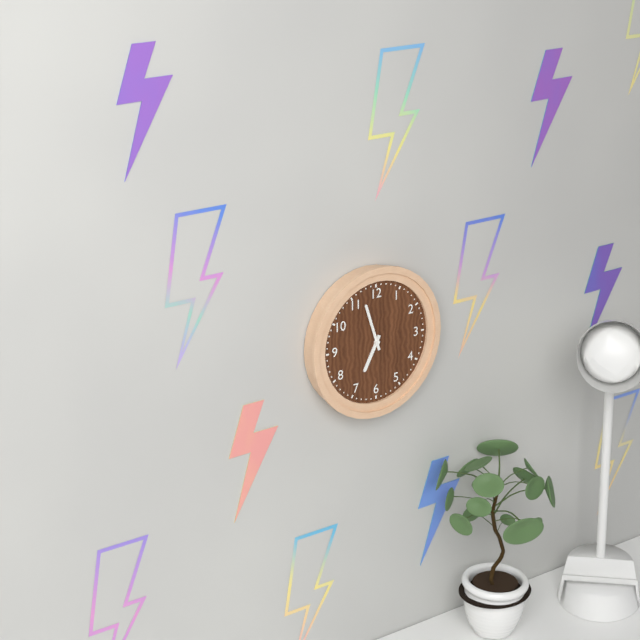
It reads 6h57
